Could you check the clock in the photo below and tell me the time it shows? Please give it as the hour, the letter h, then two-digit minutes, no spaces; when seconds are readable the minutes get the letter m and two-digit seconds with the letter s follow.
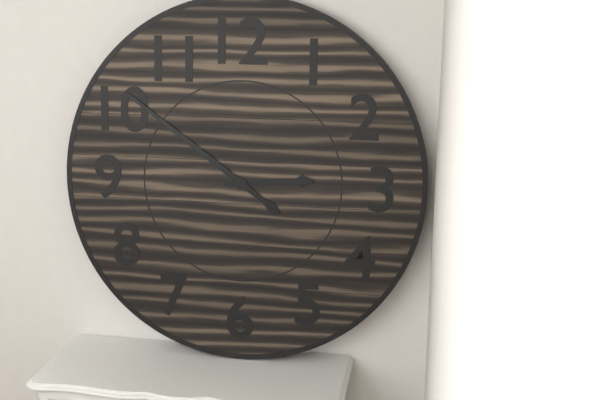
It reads 2h51
